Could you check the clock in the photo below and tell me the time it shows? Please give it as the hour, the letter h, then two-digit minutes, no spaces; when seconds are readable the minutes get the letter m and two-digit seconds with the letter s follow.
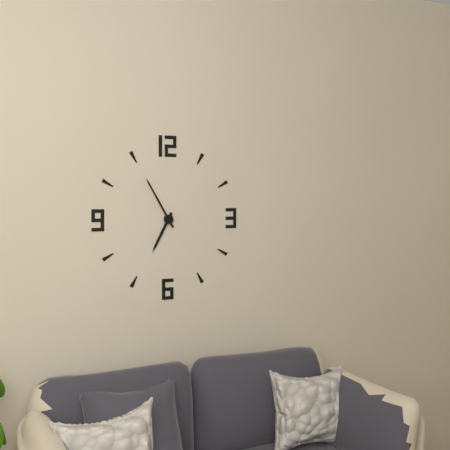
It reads 6h55
